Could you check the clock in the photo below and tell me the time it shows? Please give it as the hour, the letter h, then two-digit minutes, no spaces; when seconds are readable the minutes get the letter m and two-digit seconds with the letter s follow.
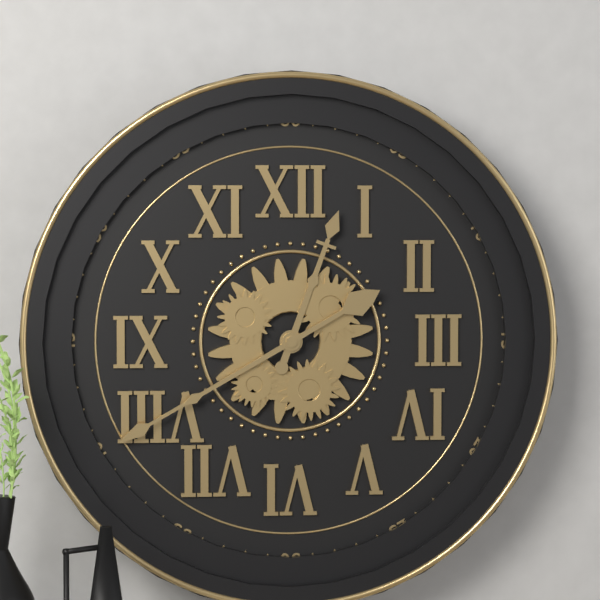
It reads 12h40
